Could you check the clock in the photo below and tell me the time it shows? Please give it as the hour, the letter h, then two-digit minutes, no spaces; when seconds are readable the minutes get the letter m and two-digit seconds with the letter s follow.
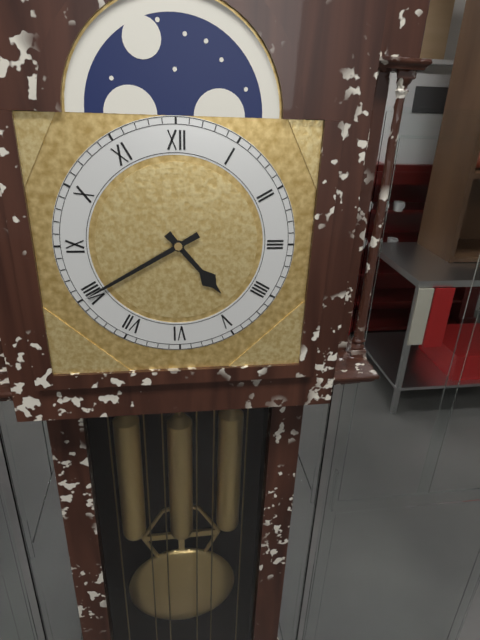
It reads 4h40
